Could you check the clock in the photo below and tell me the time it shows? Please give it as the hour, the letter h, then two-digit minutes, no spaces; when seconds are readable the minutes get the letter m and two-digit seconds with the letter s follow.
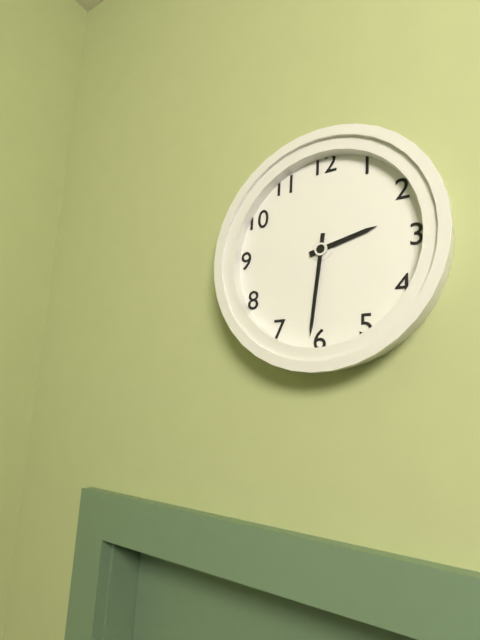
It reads 2h31
